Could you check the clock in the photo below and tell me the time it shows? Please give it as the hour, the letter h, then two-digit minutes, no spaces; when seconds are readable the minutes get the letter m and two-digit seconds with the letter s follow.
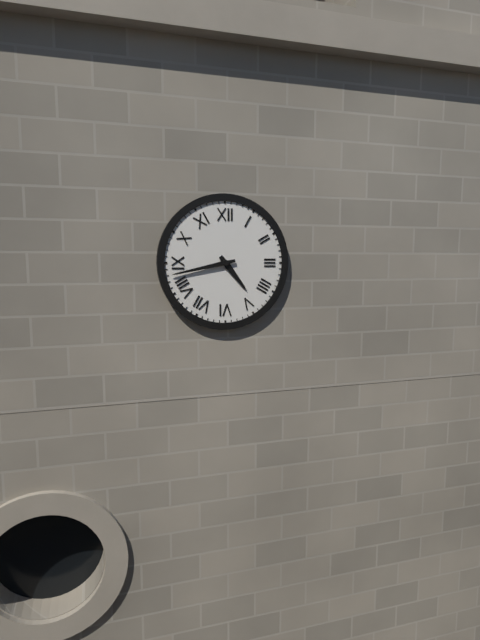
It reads 4h43
